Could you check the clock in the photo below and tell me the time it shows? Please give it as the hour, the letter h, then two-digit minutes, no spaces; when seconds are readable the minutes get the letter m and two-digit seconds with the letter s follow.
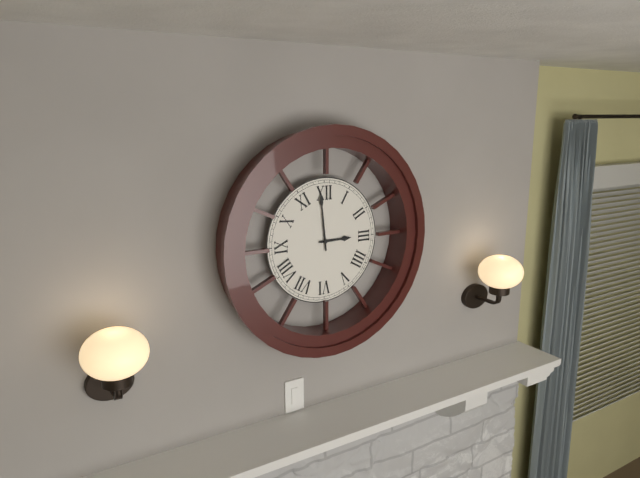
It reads 2h59
